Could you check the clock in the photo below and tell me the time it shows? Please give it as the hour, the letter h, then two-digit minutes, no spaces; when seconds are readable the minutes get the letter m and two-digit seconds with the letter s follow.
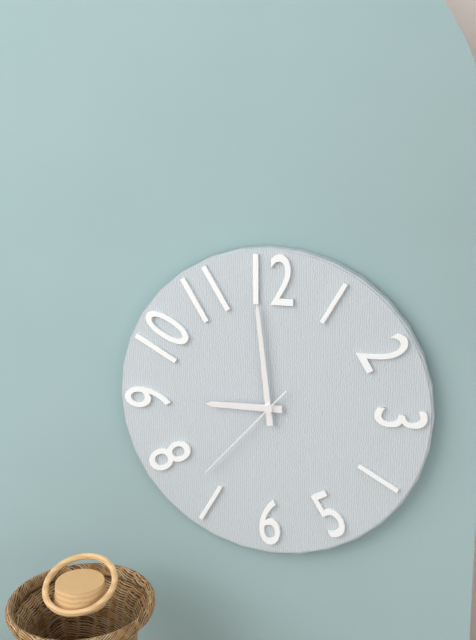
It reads 8h59m37s
